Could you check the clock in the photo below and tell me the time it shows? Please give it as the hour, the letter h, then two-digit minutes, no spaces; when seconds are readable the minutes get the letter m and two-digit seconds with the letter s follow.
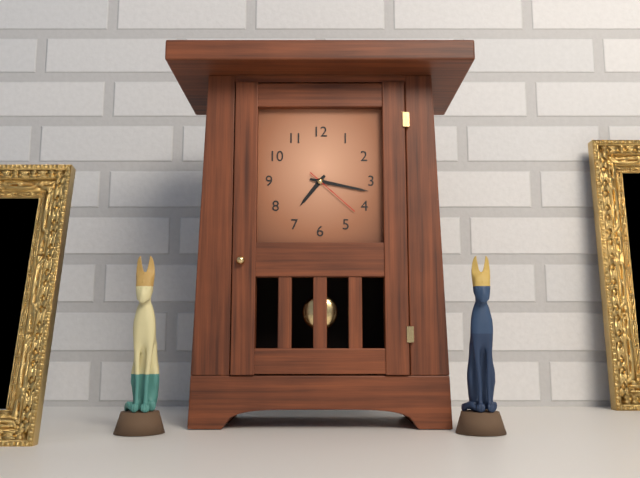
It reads 7h17m22s
